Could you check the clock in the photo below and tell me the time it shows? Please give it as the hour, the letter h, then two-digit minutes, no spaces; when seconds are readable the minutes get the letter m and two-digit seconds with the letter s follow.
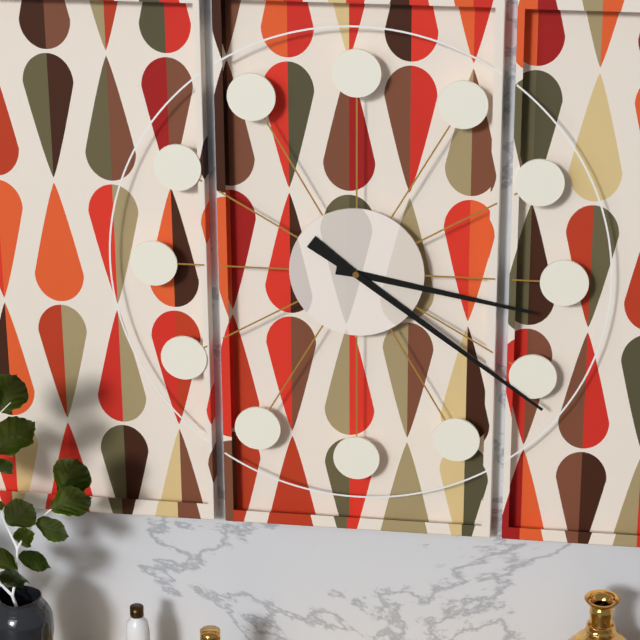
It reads 3h21
